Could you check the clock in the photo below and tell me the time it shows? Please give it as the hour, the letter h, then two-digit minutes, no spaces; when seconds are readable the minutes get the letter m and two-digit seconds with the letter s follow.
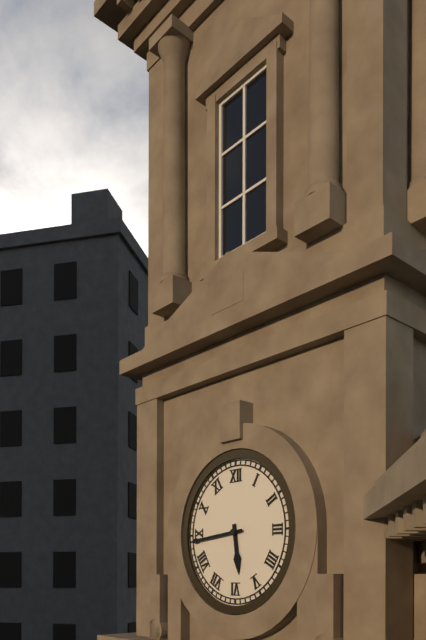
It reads 5h44
